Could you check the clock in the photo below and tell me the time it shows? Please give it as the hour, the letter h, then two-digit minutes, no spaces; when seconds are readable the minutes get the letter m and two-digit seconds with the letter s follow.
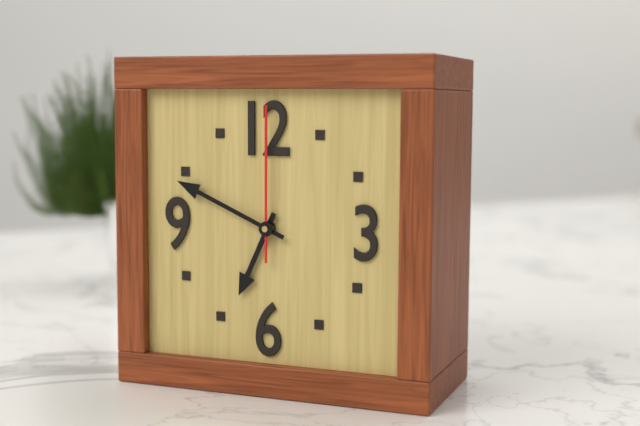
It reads 6h49m00s
